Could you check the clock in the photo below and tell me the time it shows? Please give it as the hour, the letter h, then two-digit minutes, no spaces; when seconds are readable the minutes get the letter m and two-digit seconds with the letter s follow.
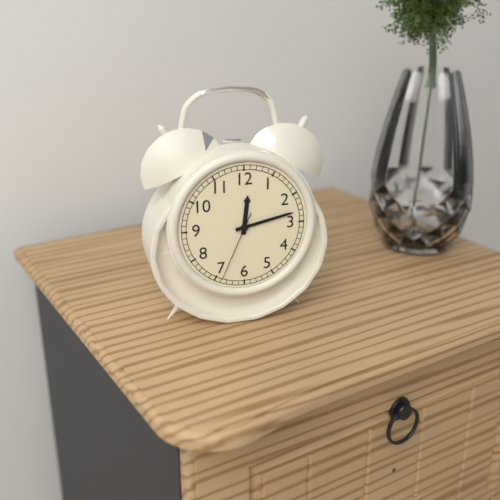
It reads 12h13m34s
